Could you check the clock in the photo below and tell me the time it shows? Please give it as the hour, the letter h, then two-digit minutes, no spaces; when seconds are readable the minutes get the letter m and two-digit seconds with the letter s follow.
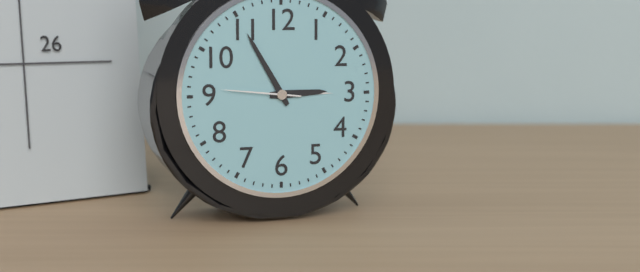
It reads 2h55m46s
